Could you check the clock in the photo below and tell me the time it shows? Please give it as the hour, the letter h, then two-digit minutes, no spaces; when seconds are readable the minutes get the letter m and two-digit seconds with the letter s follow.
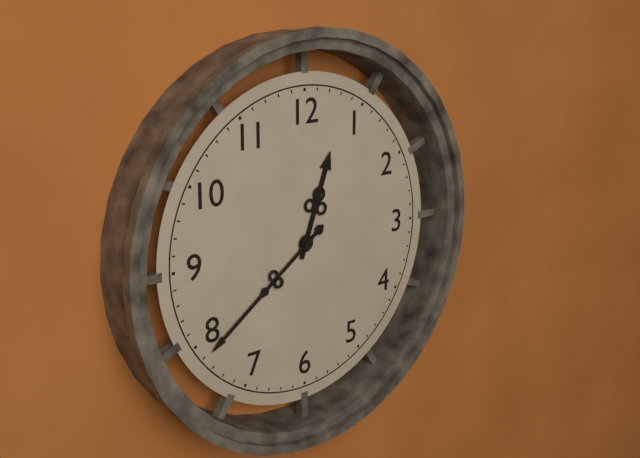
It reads 12h39
